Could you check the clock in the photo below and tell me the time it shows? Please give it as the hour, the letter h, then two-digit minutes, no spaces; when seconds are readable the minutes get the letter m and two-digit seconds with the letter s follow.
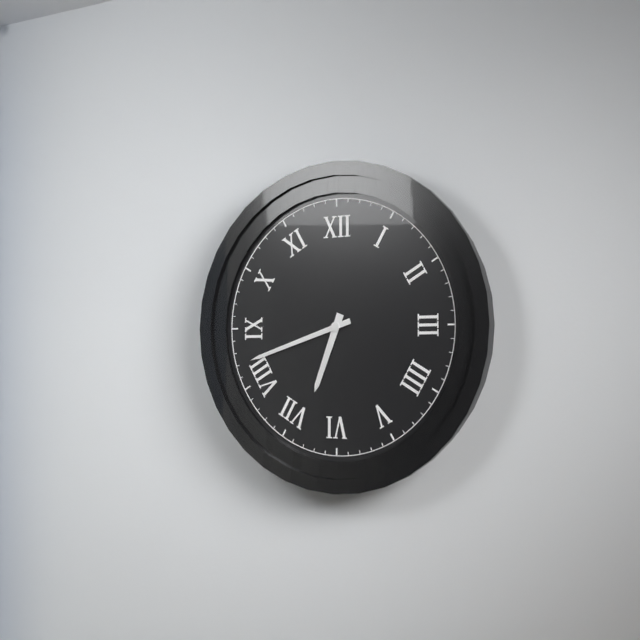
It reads 6h42
